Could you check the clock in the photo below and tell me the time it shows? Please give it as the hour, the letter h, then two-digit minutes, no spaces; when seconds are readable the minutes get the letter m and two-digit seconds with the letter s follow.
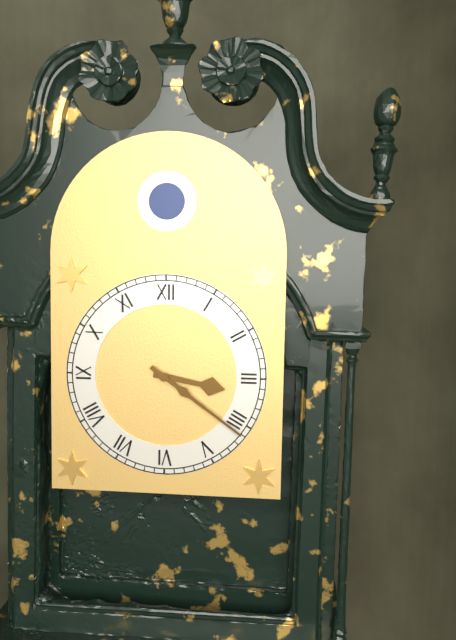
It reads 3h21
